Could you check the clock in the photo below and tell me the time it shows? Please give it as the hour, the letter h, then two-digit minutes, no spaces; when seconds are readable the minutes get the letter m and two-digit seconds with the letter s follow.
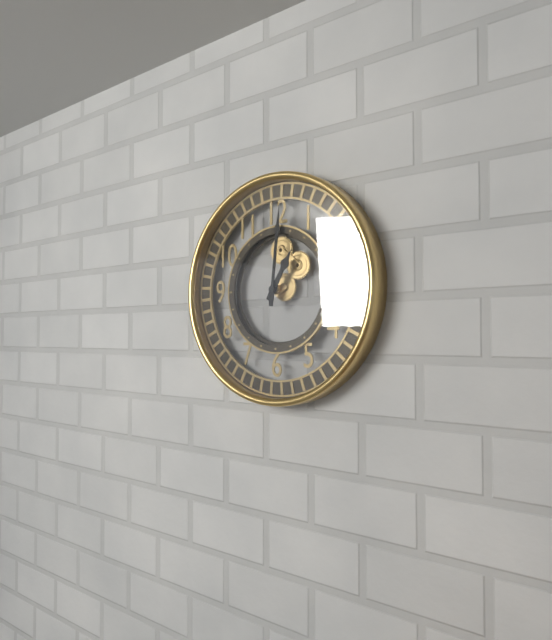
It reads 1h01
